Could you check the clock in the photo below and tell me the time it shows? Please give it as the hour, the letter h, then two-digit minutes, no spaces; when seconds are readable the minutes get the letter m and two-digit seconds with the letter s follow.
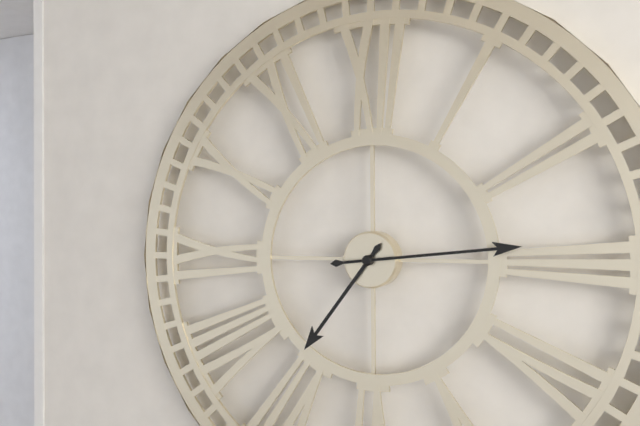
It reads 7h14
